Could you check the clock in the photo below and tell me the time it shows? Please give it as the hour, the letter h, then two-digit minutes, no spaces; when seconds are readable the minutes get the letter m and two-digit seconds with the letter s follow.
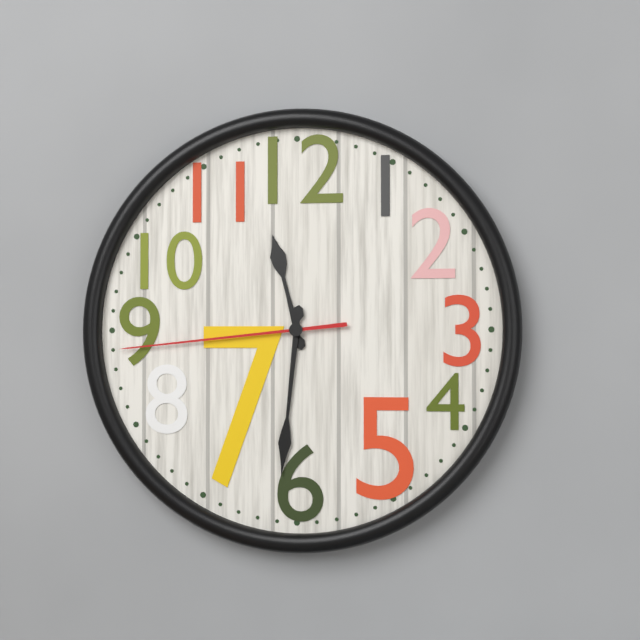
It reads 11h31m44s
